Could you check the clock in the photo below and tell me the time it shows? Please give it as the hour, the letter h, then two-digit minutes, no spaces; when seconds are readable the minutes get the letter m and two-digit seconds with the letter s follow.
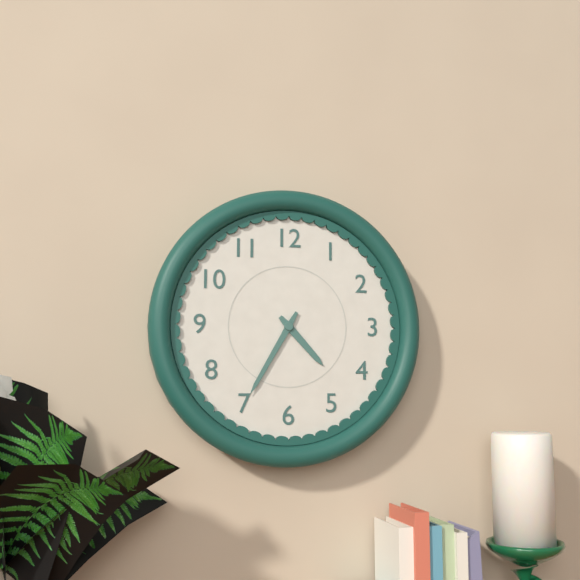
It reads 4h35
